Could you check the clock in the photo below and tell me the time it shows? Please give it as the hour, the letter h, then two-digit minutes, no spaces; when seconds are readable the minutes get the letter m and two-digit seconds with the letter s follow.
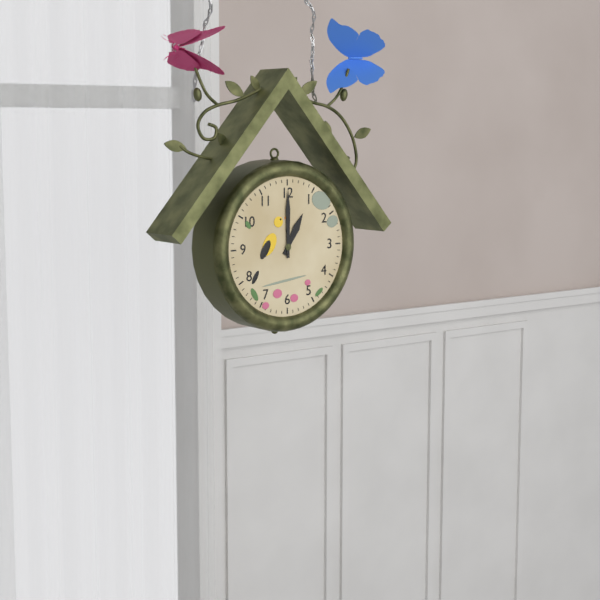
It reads 1h00
